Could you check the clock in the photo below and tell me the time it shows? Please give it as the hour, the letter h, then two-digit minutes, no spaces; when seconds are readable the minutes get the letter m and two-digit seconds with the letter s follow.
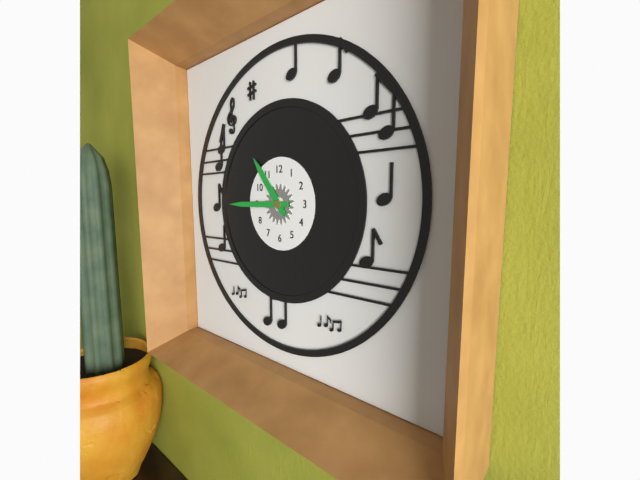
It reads 10h45
